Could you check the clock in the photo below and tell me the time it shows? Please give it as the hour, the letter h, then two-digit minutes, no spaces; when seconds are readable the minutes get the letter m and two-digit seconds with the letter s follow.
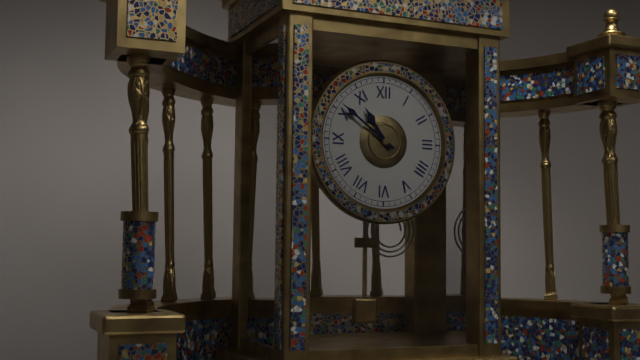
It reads 10h51
